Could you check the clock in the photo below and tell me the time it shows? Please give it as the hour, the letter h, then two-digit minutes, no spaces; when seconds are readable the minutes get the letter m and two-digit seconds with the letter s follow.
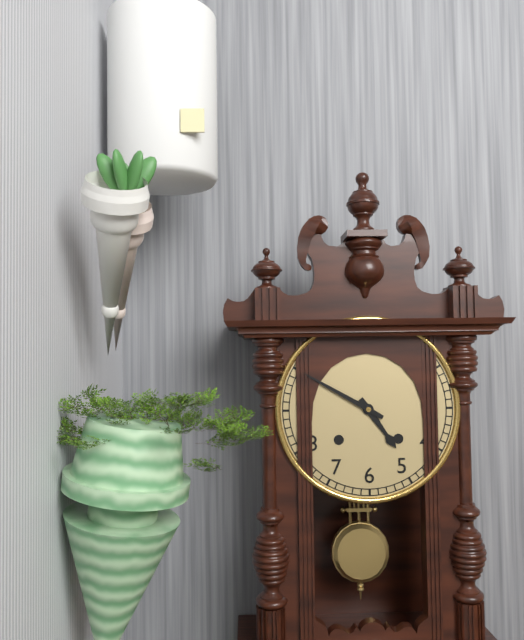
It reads 4h50
